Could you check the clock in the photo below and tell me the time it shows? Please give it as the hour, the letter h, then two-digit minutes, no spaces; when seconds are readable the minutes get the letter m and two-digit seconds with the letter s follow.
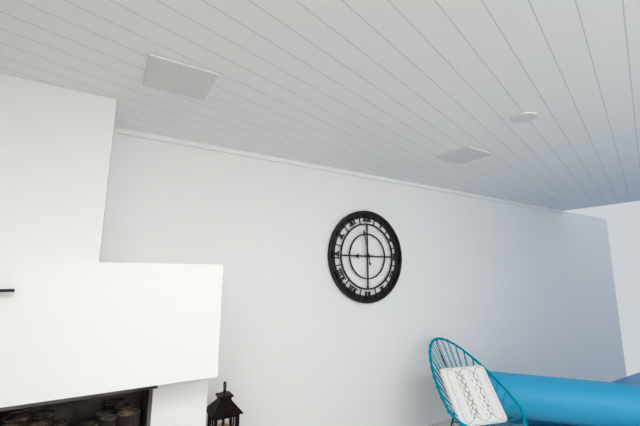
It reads 8h58
